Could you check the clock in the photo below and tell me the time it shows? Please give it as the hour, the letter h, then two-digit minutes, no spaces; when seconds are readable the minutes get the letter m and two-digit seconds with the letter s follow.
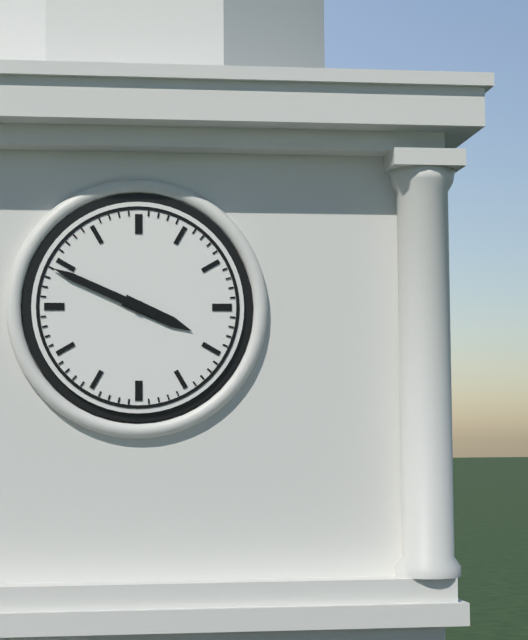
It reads 3h49
